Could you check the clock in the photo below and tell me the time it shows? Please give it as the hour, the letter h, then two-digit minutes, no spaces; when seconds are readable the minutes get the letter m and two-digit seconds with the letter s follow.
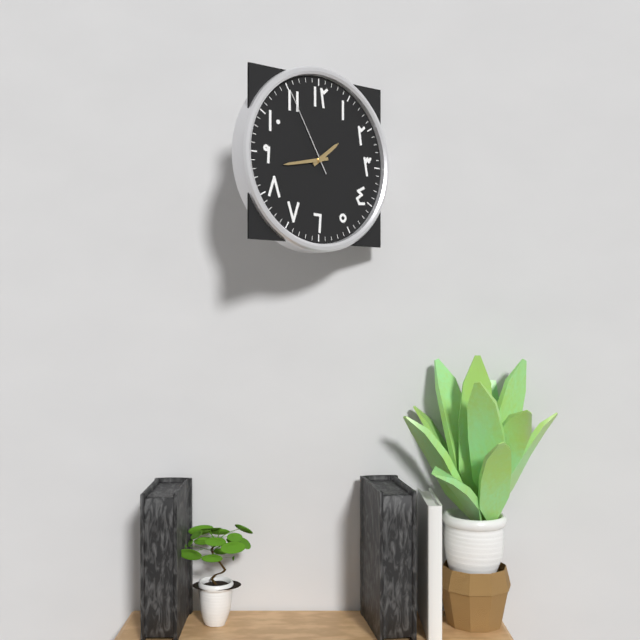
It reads 1h43m55s
